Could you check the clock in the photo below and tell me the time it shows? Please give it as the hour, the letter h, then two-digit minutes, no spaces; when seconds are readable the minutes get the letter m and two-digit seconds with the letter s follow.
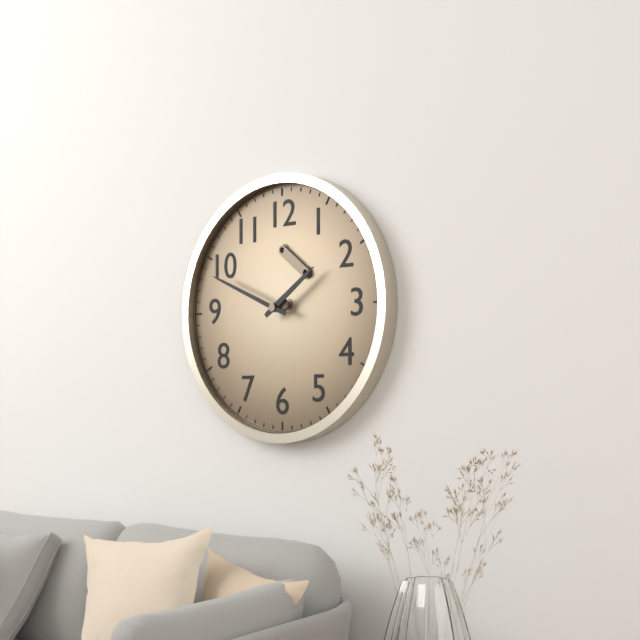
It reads 1h49
